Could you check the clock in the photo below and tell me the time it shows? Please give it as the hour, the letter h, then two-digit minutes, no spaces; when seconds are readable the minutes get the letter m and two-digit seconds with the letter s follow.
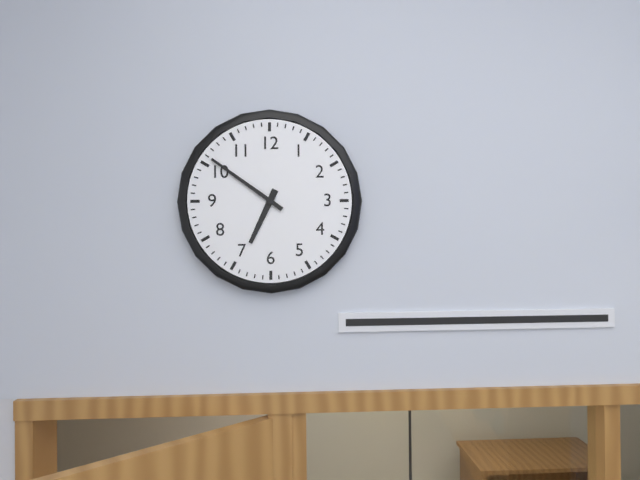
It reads 6h51
